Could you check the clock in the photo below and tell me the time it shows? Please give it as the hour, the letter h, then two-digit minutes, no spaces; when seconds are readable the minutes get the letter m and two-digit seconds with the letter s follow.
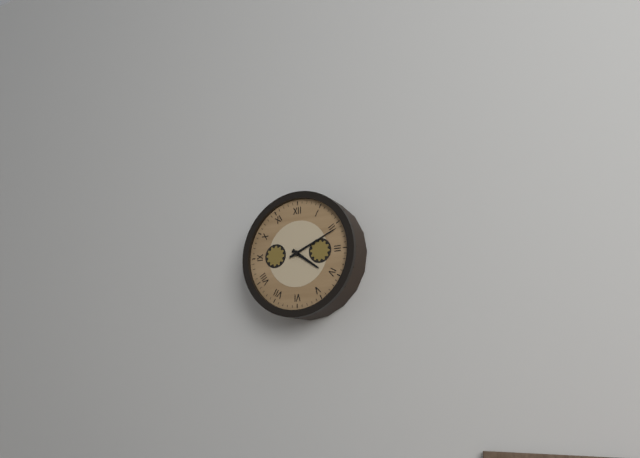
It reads 4h11
